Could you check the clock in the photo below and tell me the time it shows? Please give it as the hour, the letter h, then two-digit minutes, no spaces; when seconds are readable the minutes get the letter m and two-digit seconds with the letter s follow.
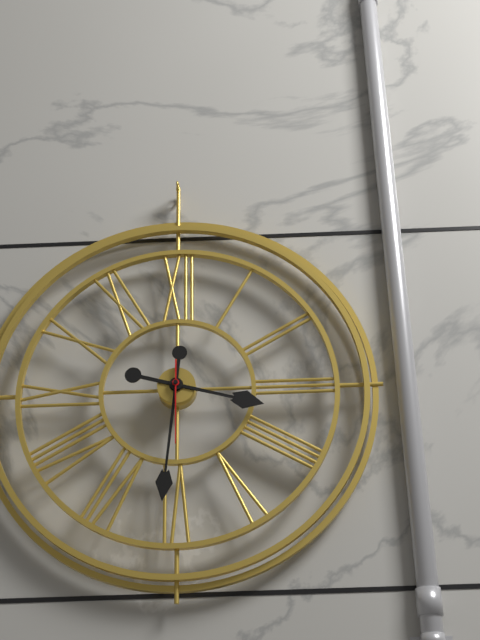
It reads 3h31m30s
